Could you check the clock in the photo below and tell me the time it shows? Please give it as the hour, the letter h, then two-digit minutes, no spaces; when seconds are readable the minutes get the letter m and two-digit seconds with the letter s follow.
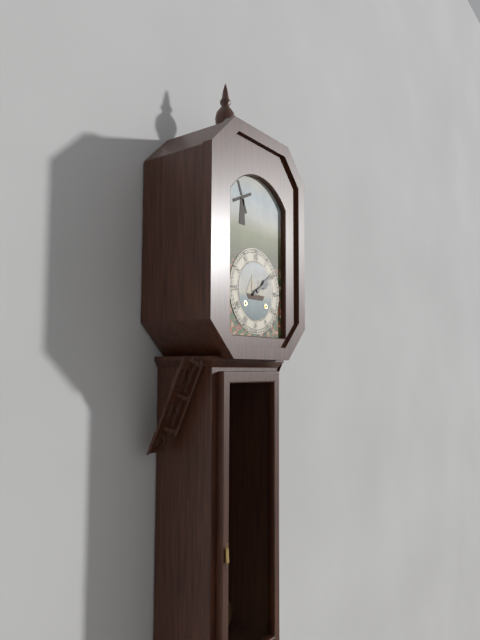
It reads 2h09
